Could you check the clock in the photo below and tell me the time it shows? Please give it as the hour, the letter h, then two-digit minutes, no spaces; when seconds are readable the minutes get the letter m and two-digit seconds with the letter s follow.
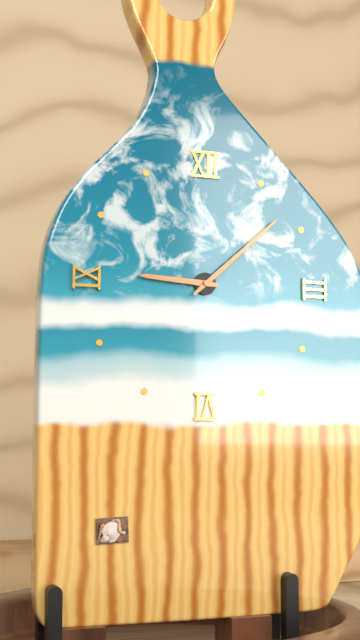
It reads 9h08
